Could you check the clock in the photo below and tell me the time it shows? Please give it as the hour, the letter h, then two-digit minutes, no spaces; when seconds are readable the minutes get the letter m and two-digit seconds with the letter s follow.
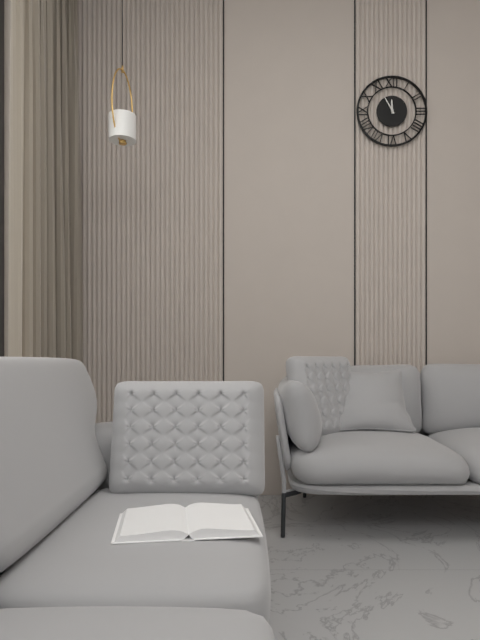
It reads 11h55
